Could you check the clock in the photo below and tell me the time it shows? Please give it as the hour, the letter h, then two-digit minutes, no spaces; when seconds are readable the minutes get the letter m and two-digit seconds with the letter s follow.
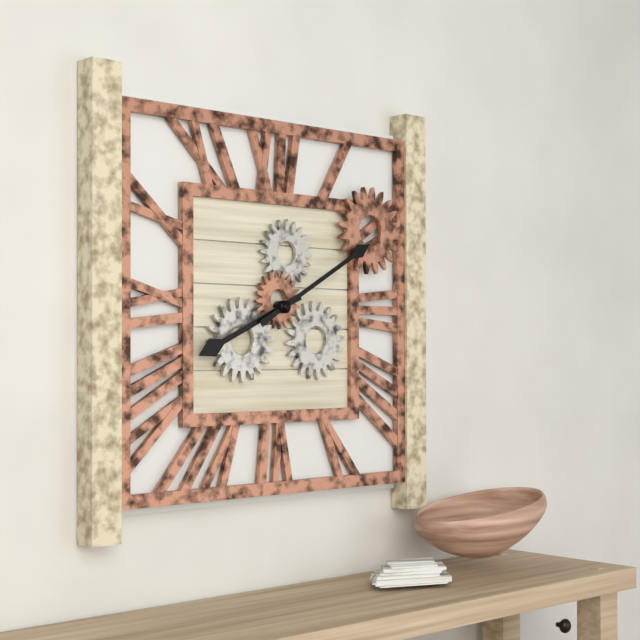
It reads 8h10
